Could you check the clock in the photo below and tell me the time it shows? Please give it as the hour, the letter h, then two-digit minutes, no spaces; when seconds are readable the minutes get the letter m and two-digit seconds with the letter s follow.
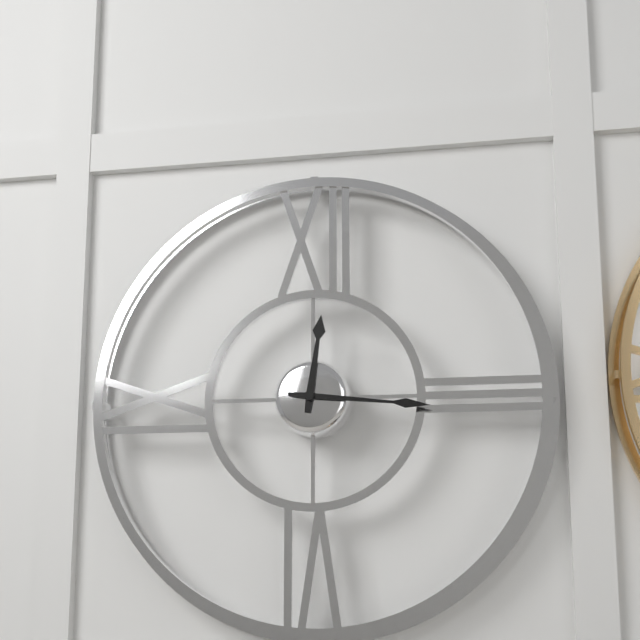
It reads 12h16
